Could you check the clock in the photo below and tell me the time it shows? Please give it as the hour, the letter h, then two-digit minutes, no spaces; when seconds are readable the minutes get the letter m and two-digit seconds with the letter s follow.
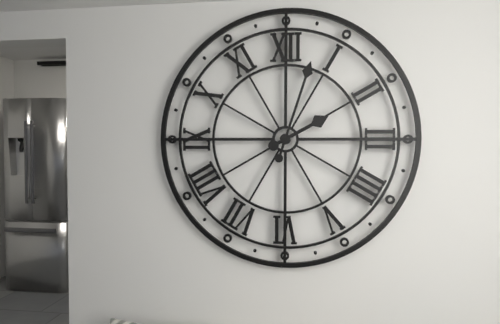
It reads 2h03
